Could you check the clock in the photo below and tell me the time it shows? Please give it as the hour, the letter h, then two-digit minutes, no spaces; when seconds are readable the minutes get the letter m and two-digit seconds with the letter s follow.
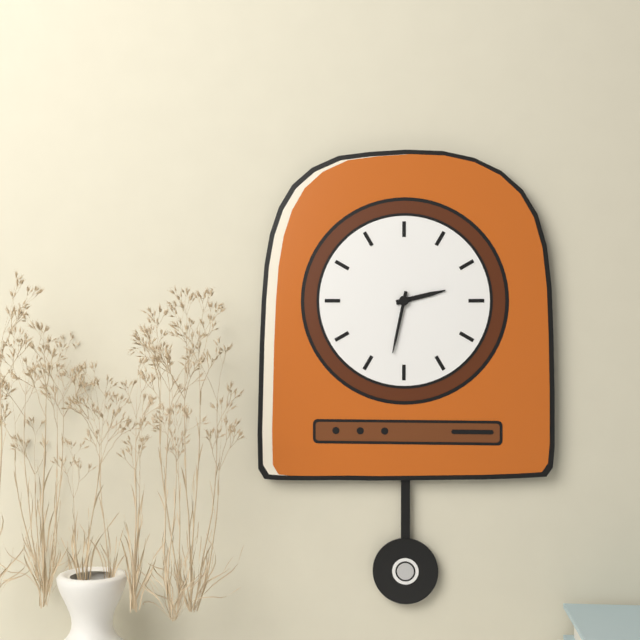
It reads 2h32
